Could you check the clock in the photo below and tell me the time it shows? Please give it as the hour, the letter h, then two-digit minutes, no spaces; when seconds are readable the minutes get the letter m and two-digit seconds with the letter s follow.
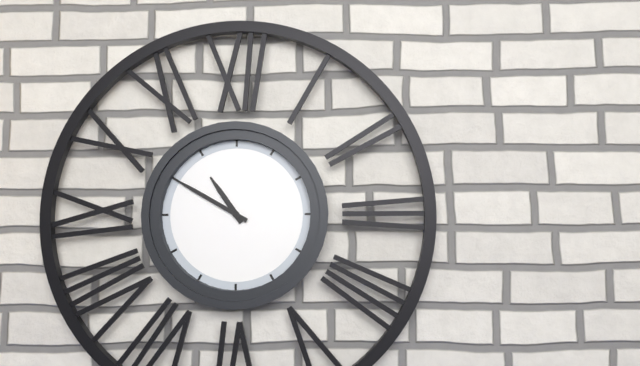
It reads 10h50
